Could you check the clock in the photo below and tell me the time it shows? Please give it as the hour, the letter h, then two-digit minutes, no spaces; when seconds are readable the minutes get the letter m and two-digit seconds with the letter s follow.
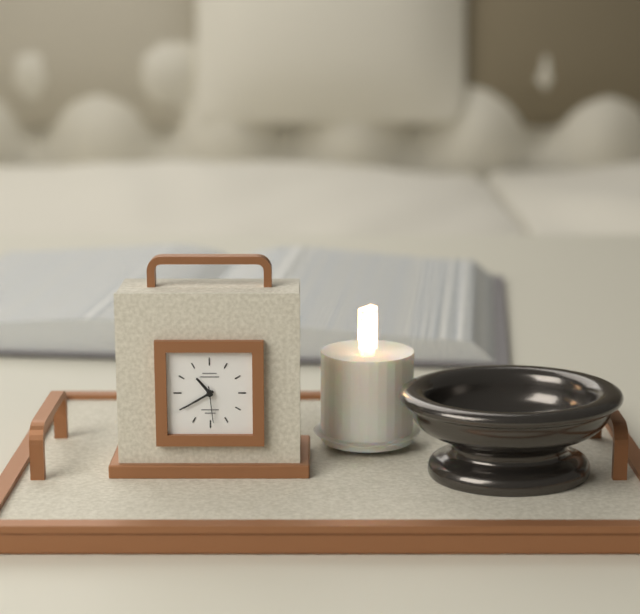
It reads 10h40
